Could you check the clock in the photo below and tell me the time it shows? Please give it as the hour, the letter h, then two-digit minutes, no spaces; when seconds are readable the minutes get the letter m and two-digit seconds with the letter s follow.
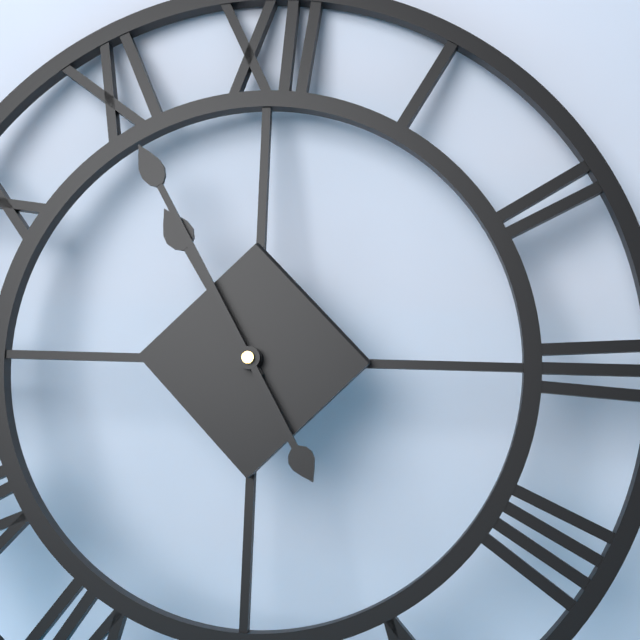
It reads 10h55
